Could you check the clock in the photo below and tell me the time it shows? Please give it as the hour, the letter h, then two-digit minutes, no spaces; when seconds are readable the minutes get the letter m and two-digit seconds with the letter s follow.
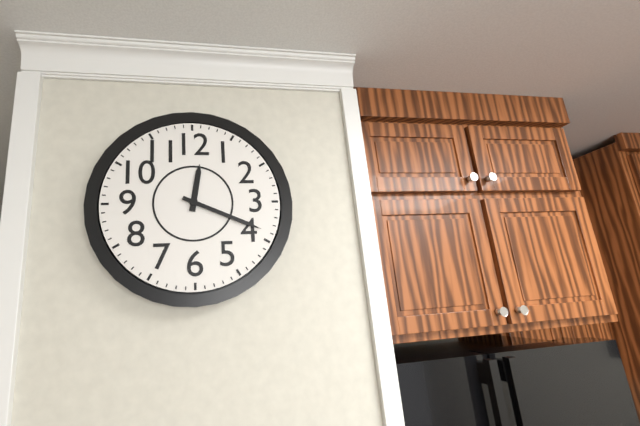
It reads 12h19
